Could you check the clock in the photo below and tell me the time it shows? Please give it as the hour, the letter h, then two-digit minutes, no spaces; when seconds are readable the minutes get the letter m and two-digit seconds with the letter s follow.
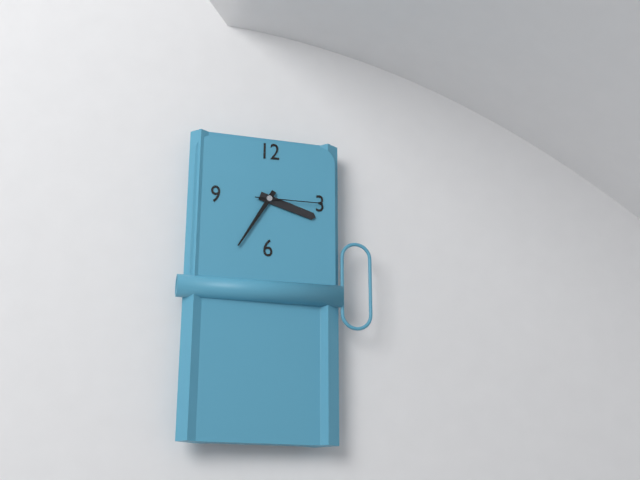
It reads 3h35m15s
